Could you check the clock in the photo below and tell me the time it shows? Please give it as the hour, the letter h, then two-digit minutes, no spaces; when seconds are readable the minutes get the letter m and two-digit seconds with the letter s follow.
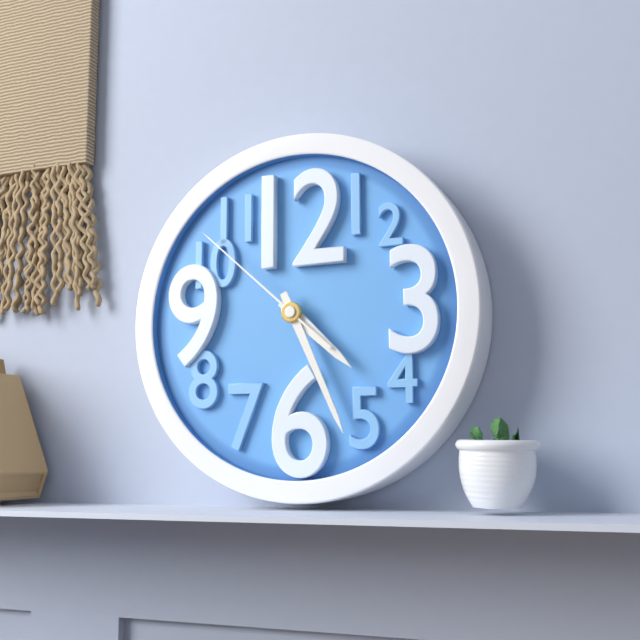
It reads 4h26m52s
